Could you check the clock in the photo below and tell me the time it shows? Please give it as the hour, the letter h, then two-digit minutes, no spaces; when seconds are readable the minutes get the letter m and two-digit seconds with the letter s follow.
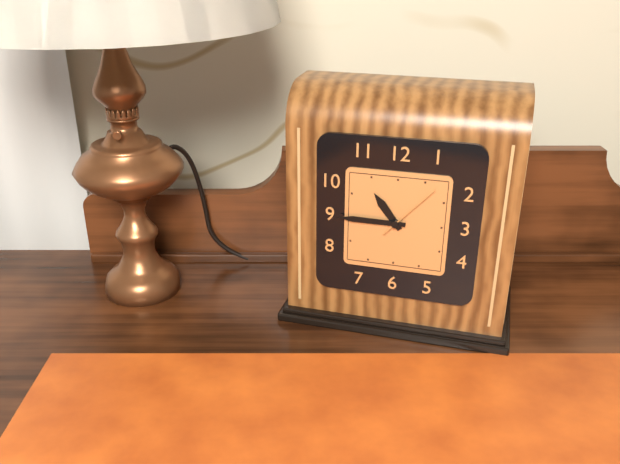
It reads 10h45m07s
